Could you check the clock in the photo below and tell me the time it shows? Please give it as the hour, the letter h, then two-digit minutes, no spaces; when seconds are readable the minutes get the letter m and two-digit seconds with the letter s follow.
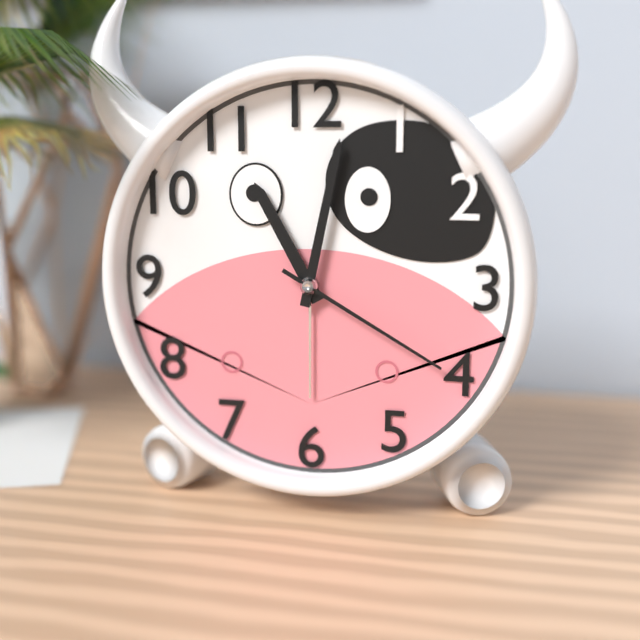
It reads 11h02m20s
